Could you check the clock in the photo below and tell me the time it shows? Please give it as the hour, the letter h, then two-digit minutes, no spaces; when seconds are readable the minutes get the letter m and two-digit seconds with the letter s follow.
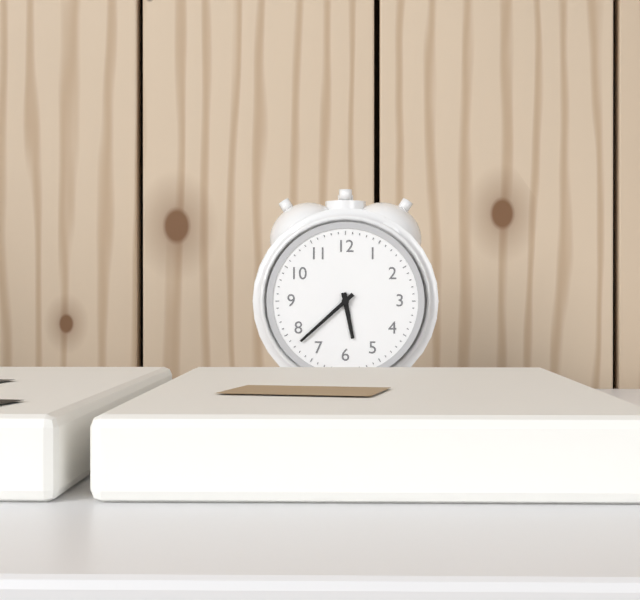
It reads 5h38
